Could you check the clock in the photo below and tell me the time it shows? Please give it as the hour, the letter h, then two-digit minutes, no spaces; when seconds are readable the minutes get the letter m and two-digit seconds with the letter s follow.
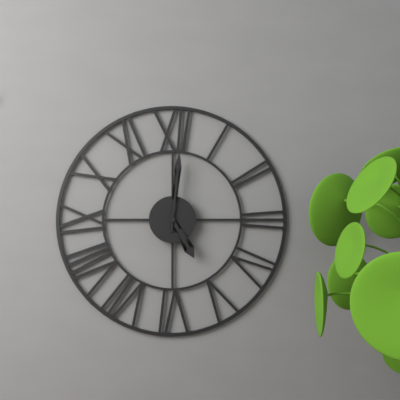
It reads 5h01
